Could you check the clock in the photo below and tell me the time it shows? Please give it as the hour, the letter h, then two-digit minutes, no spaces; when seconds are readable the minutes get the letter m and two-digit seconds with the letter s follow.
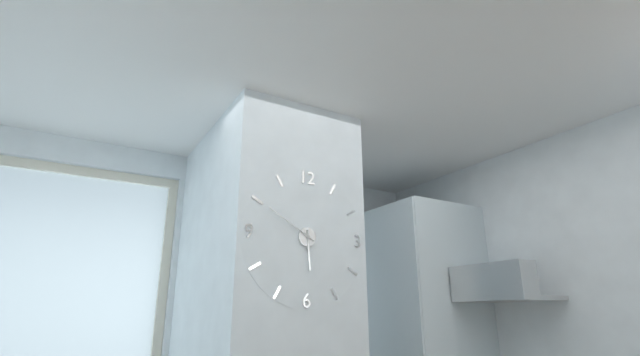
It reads 5h50
